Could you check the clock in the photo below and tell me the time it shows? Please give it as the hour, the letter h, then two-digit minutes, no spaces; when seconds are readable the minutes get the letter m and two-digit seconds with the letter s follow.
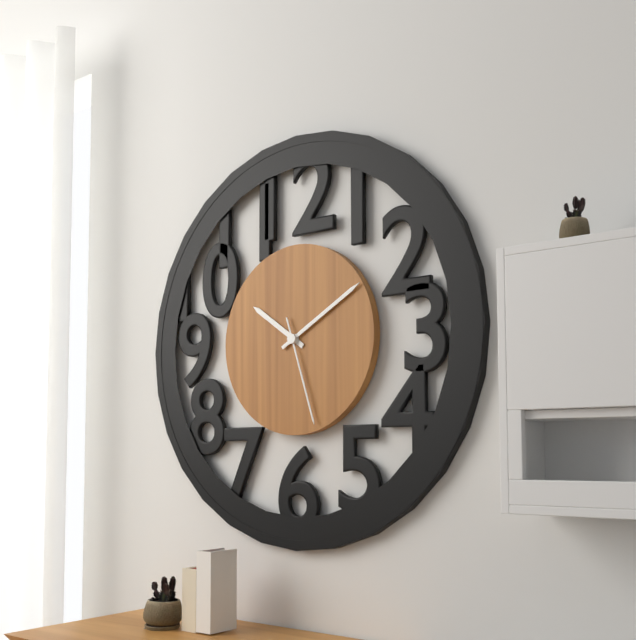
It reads 10h10m27s
